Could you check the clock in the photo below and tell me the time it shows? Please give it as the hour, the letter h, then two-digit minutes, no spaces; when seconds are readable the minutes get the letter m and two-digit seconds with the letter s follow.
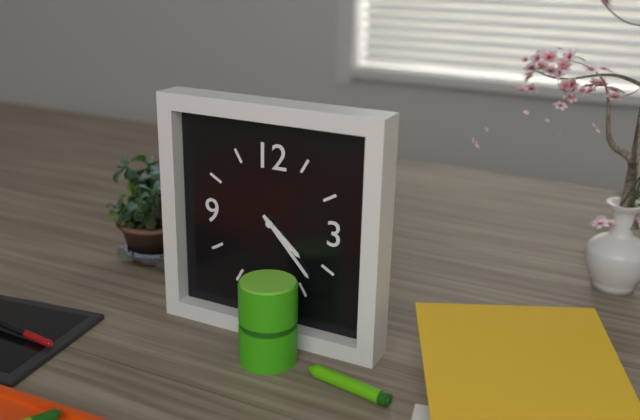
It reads 4h23
